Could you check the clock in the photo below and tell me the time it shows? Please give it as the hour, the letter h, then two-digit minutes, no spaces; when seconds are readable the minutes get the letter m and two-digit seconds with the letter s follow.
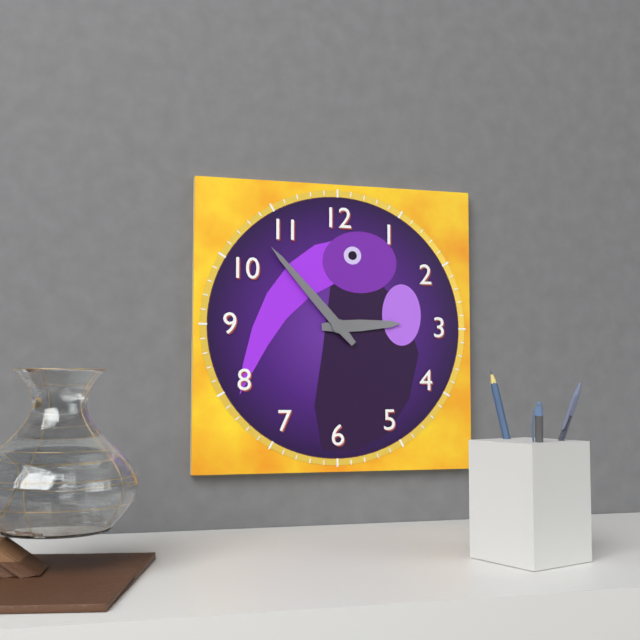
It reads 2h53
